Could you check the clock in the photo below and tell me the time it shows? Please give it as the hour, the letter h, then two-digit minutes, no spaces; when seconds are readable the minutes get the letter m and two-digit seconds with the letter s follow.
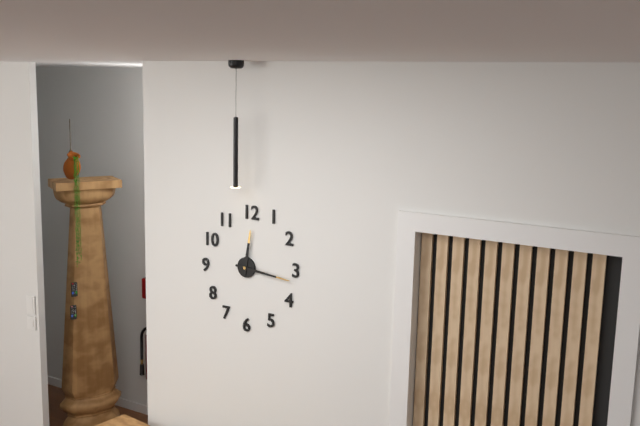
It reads 12h16
